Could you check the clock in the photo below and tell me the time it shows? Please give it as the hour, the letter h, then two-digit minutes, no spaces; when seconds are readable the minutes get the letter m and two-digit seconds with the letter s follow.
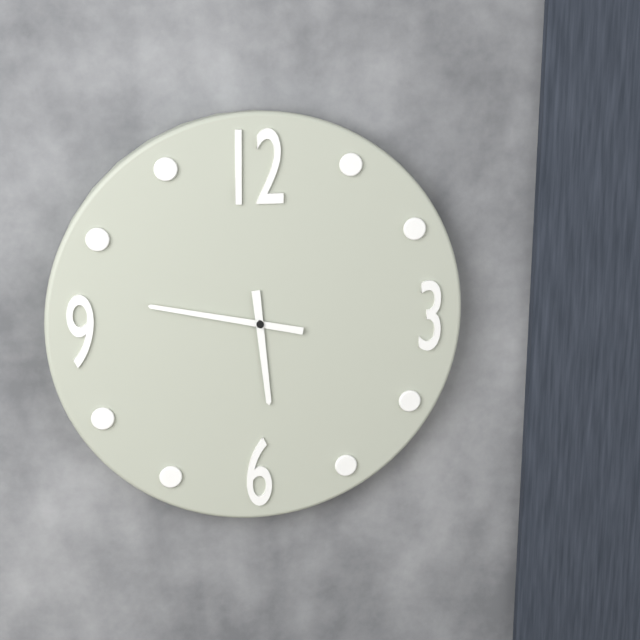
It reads 5h47
